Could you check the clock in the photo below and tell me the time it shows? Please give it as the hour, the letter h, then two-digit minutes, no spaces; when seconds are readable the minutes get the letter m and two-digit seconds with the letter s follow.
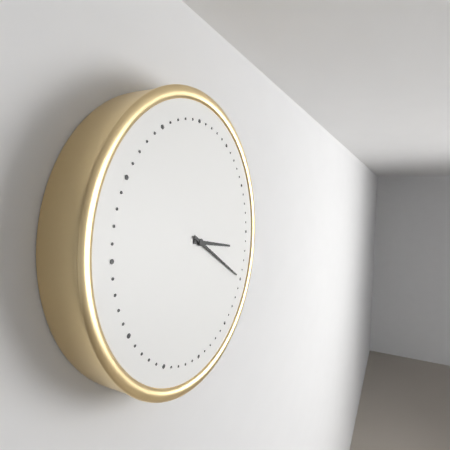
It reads 3h20
